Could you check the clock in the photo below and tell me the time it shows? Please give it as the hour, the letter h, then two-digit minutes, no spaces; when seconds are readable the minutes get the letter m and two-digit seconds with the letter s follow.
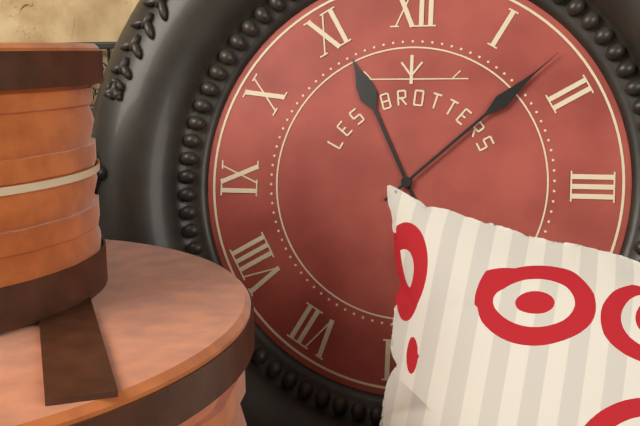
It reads 11h08
